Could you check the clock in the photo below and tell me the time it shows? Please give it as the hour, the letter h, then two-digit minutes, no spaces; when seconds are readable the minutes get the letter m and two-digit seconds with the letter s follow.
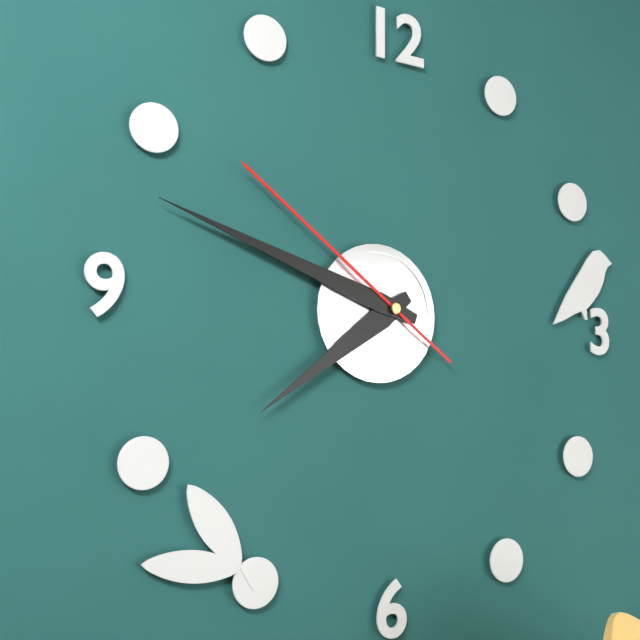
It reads 7h48m51s
